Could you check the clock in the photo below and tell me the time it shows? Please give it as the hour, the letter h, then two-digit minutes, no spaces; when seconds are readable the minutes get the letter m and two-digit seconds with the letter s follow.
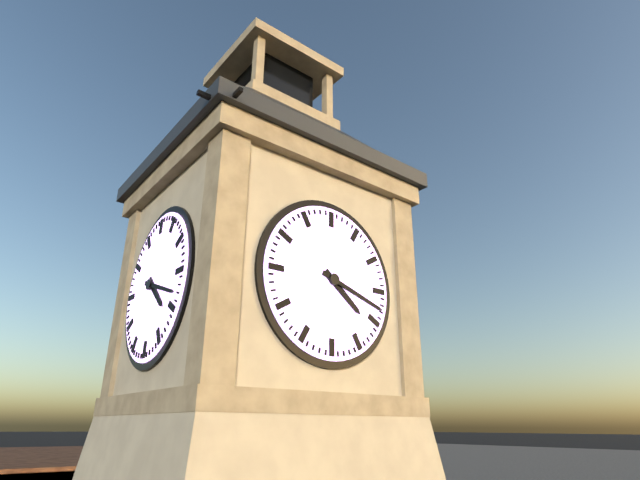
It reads 4h18
